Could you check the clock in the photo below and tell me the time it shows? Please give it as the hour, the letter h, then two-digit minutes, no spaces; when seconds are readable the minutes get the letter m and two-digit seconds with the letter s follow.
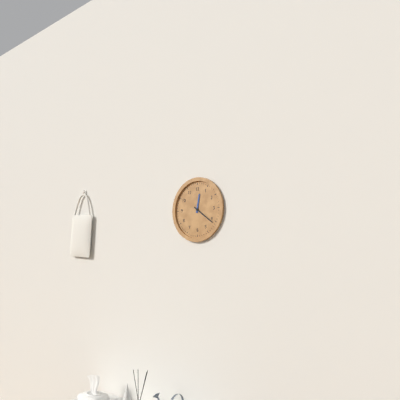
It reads 12h21
